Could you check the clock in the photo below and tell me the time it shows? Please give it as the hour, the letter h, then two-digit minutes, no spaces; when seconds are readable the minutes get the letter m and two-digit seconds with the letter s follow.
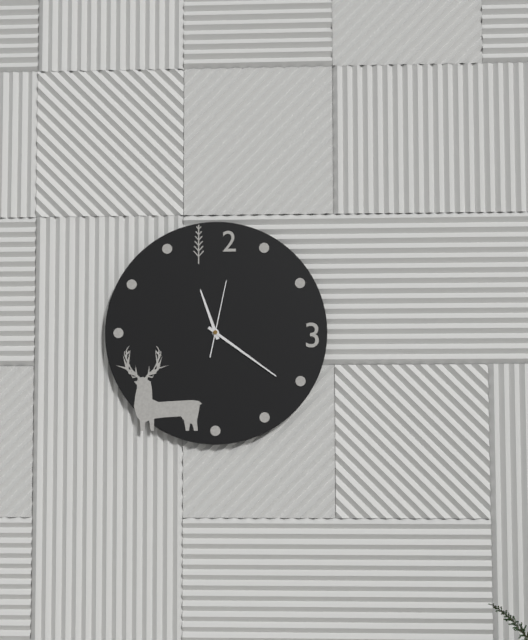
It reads 11h21m02s
